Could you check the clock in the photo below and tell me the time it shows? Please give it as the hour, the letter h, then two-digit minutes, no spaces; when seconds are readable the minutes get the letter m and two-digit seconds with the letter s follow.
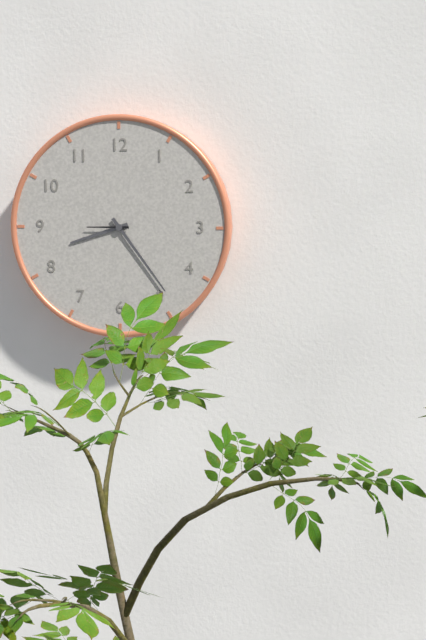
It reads 8h24
